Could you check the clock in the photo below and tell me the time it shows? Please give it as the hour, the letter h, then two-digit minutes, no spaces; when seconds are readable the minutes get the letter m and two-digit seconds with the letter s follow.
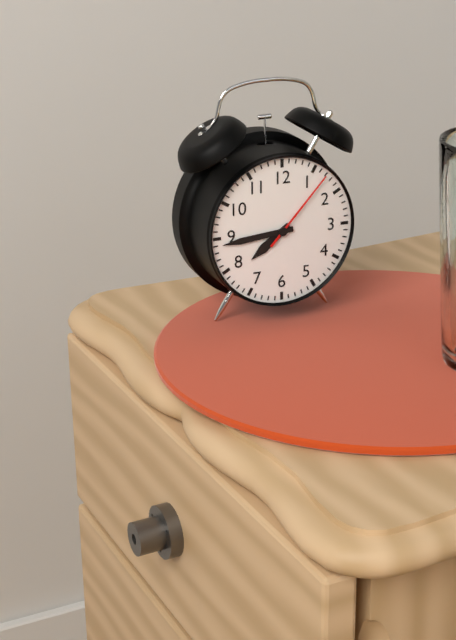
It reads 7h44m07s
